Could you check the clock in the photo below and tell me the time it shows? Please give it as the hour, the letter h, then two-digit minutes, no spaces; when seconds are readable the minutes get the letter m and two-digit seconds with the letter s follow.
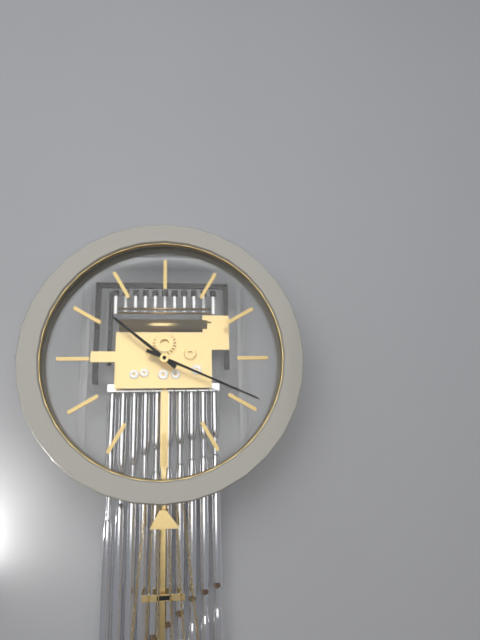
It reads 10h19
